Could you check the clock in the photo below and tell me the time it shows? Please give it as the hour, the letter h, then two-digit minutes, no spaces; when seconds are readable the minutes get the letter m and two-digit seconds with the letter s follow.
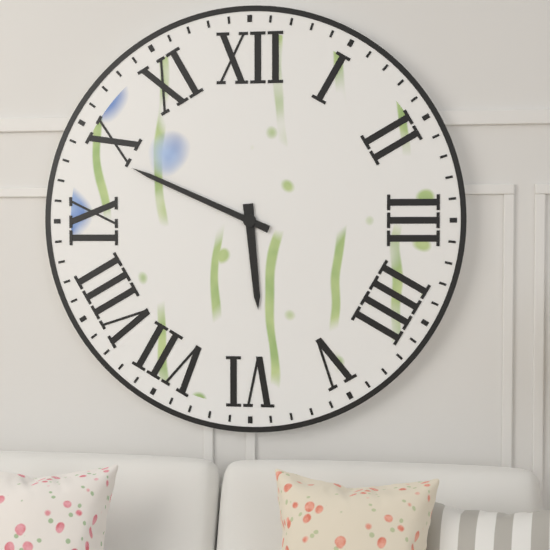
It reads 5h49
